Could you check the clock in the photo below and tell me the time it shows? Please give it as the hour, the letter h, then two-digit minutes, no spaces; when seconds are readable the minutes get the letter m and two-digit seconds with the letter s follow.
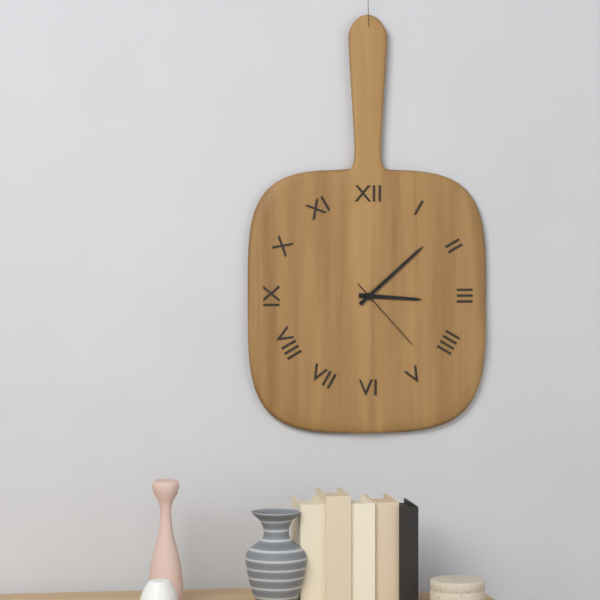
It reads 3h08m23s
